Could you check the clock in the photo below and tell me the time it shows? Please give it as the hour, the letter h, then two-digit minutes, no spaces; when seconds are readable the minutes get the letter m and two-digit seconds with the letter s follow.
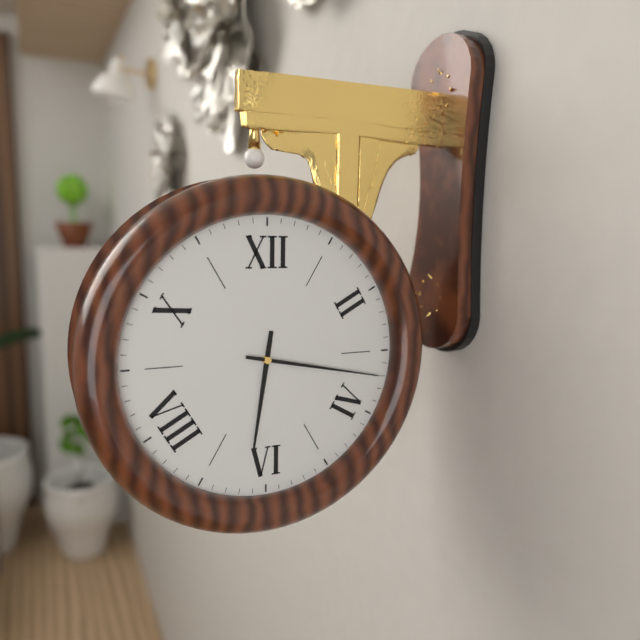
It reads 6h17
